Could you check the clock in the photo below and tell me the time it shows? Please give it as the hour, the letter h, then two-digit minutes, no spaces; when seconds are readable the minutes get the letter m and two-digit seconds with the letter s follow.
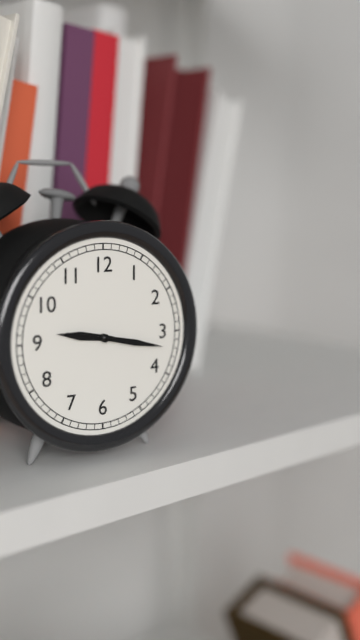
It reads 9h17
